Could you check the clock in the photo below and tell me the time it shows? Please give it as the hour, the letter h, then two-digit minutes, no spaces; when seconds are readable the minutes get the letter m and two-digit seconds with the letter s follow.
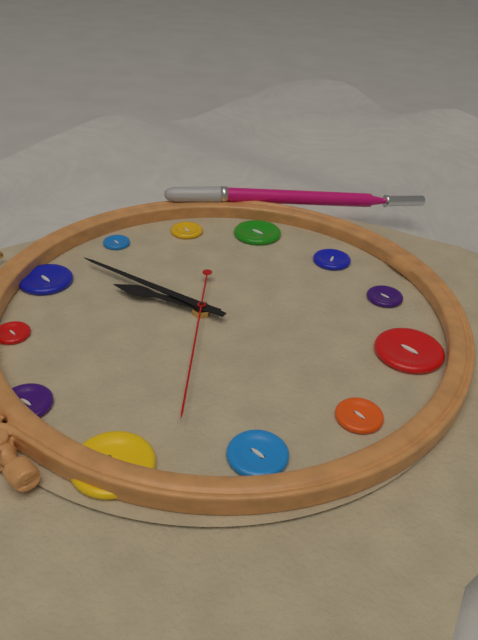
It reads 2h13m53s
